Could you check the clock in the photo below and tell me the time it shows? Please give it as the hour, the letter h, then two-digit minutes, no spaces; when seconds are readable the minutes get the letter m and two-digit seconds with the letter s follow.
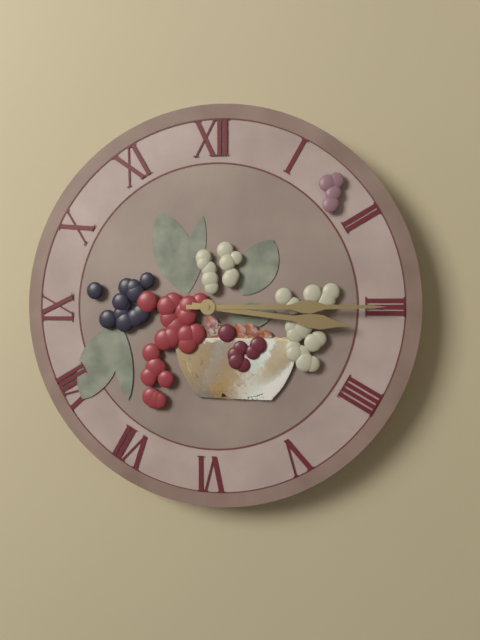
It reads 3h15
